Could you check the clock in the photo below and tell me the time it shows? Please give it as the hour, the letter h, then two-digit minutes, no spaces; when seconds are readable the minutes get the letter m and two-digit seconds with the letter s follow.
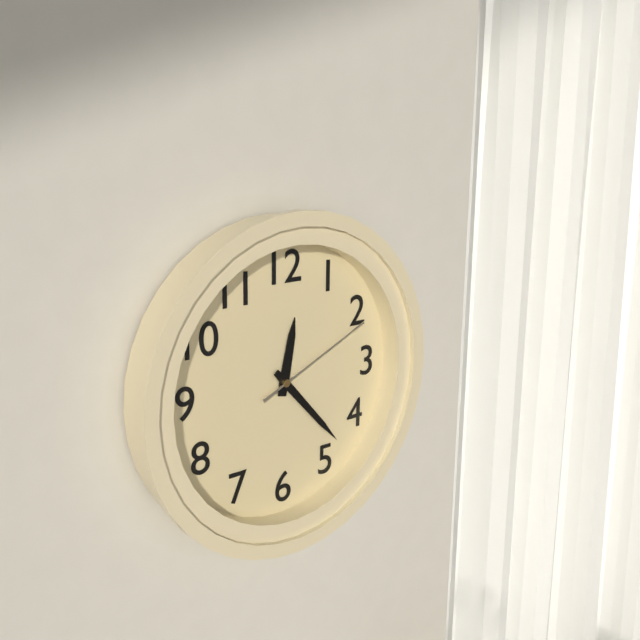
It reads 12h23m11s
